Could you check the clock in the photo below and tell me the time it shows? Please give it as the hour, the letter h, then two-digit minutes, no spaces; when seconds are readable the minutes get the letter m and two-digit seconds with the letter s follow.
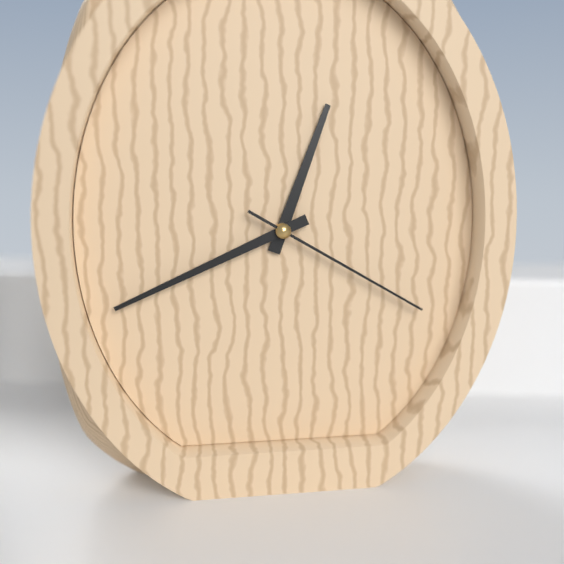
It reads 12h41m20s
